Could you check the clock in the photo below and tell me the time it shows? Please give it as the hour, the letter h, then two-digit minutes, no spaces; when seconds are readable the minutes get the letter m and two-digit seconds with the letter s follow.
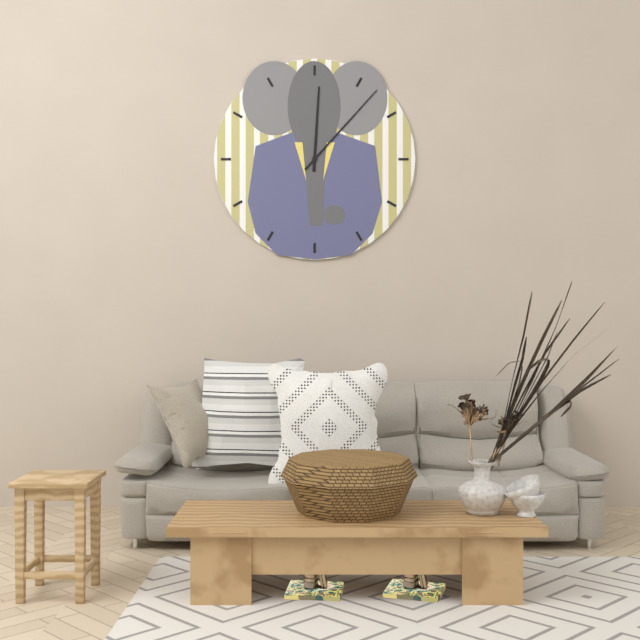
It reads 12h07
